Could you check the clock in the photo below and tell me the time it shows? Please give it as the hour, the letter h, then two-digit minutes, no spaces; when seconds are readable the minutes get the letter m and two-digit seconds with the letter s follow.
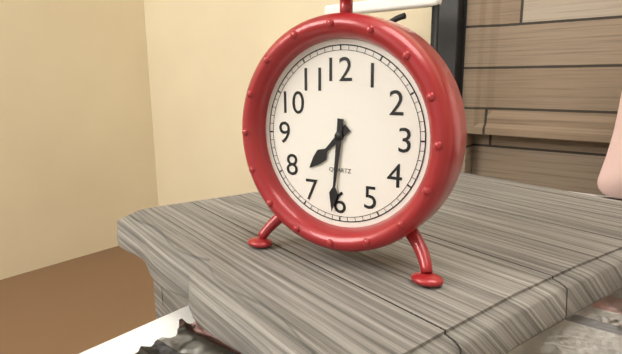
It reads 7h31
